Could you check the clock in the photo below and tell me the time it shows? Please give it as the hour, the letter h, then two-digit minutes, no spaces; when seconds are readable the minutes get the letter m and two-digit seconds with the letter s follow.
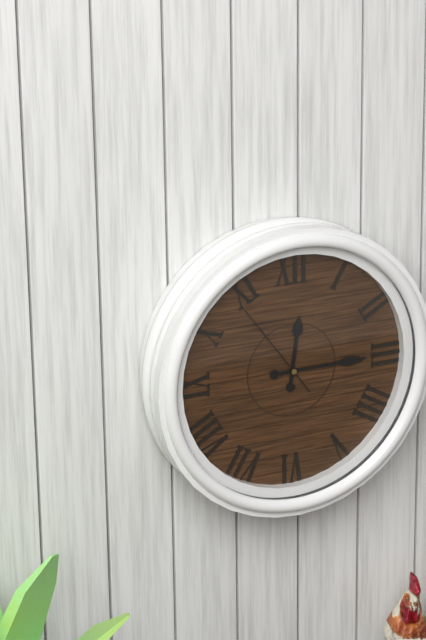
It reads 12h15m54s
